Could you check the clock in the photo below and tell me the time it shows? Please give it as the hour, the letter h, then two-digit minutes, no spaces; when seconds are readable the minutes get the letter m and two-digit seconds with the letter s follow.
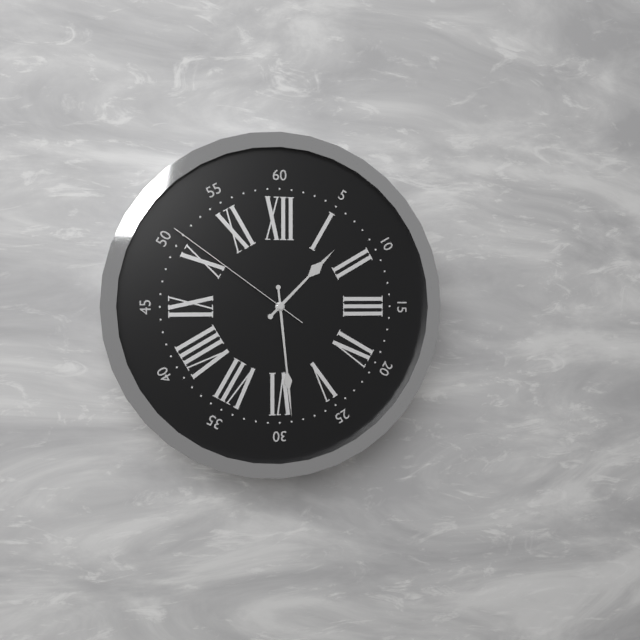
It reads 1h29m51s
